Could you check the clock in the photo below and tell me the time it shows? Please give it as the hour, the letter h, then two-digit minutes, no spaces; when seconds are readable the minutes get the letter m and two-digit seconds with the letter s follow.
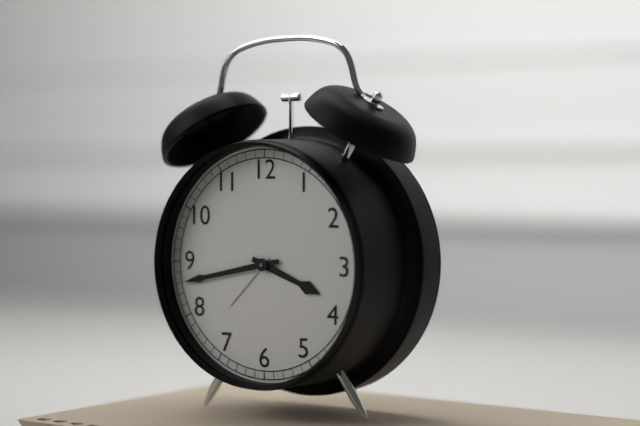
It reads 3h43
